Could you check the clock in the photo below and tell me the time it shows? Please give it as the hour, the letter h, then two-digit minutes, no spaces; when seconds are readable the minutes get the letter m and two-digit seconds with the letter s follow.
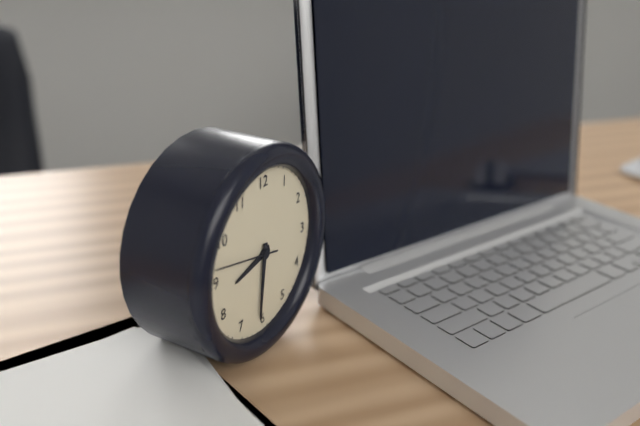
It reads 8h31m47s
